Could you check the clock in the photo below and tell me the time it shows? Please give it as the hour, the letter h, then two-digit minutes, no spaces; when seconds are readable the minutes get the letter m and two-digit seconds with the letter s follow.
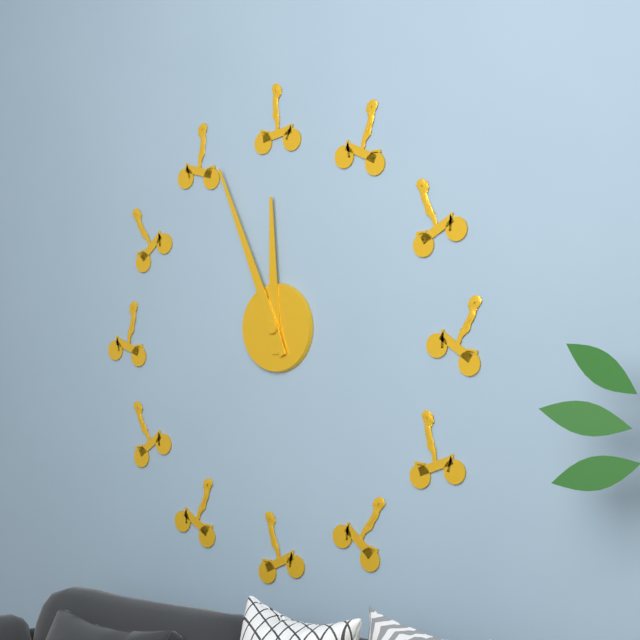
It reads 11h56
